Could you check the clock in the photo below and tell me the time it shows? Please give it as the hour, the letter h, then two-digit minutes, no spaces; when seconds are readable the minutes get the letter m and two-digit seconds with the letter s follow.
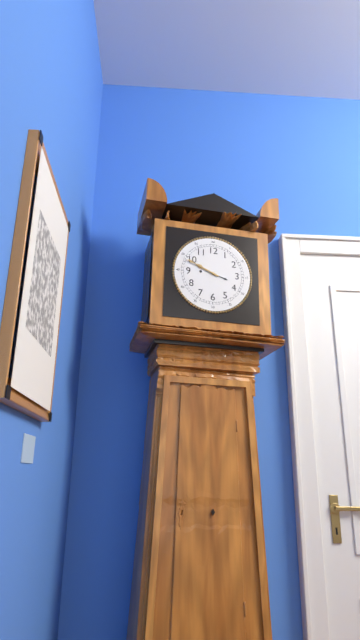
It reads 9h49
